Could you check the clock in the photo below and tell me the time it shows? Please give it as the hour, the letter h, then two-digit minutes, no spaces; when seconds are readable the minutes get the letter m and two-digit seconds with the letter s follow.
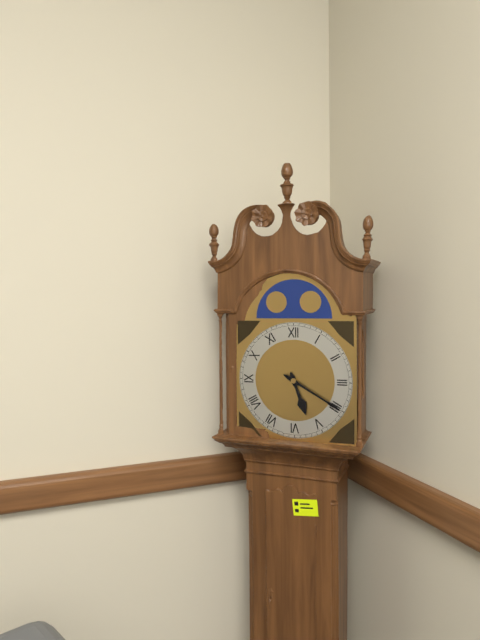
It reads 5h20
